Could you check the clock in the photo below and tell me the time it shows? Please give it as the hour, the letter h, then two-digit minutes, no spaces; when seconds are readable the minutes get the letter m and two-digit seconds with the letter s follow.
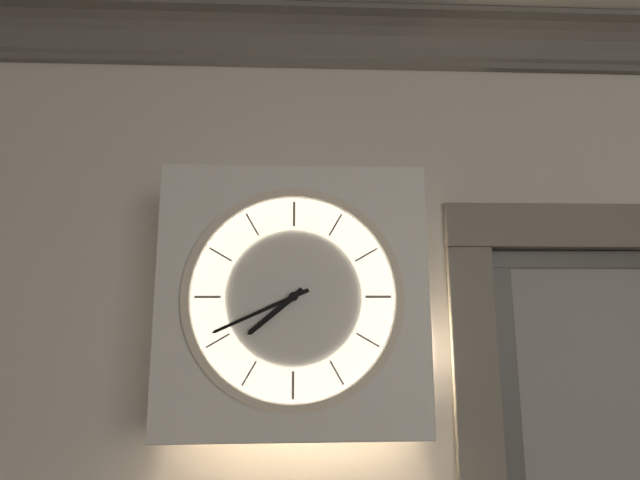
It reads 7h41
